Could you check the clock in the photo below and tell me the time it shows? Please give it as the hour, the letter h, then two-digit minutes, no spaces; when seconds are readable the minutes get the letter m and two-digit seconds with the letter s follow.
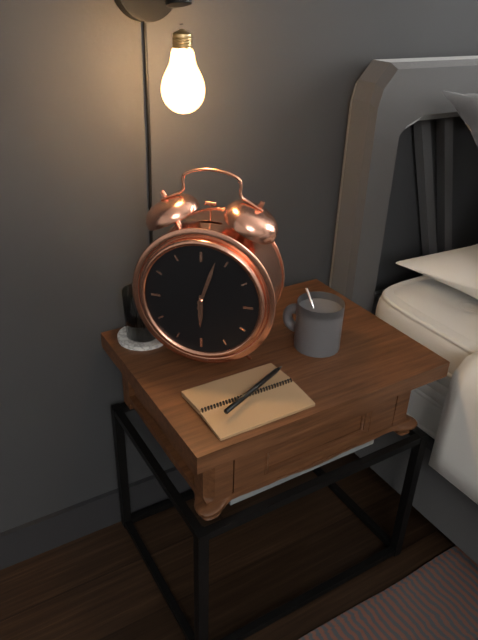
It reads 6h03
